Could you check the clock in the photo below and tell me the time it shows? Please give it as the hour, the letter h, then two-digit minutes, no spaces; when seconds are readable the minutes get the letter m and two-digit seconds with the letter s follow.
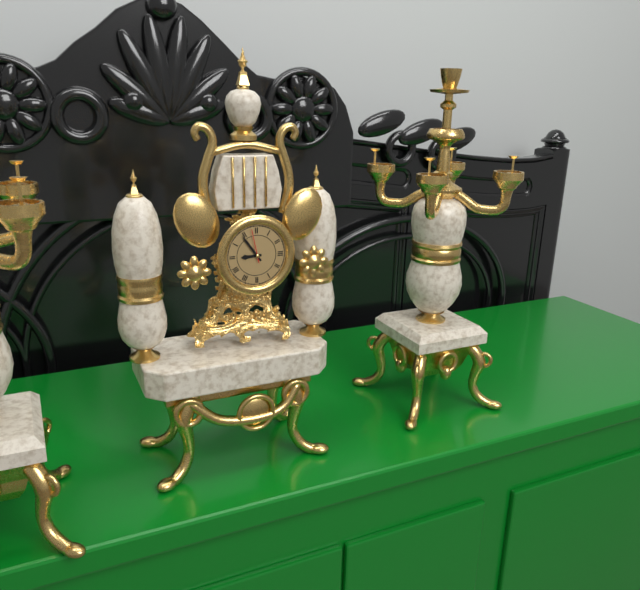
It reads 8h54
